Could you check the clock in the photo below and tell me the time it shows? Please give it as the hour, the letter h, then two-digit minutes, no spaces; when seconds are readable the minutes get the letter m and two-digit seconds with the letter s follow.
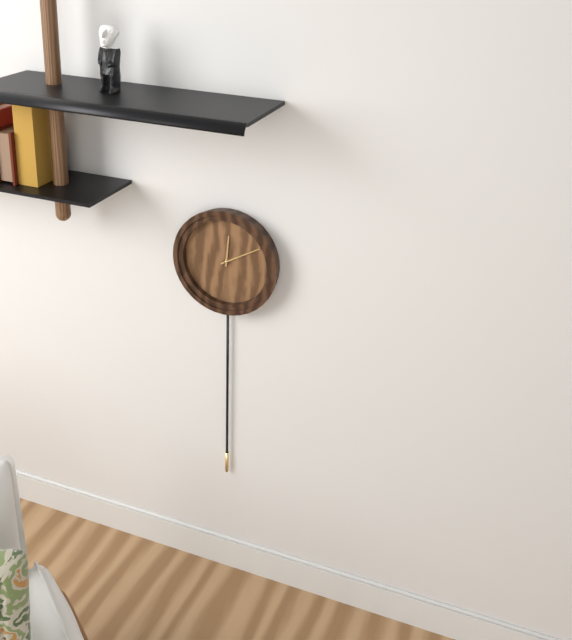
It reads 12h10
